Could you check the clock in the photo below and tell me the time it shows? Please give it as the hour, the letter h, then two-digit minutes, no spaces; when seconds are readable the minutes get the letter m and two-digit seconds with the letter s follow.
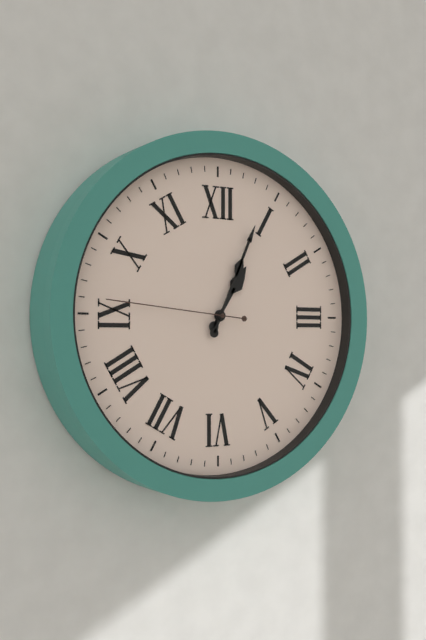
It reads 1h04m46s
